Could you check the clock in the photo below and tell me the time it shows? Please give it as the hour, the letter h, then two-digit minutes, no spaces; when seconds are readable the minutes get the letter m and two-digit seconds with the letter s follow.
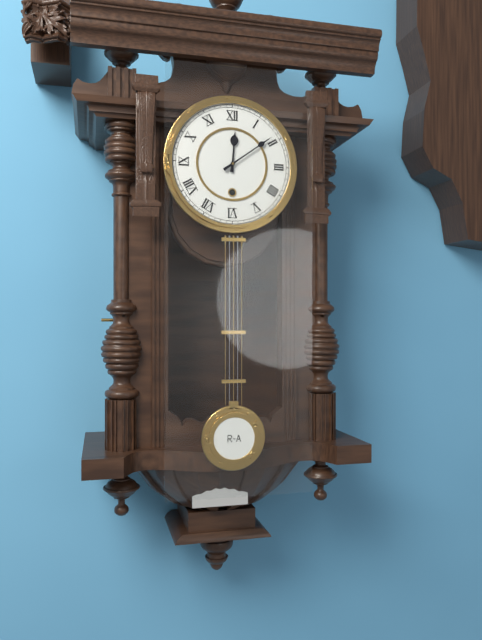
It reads 12h09
